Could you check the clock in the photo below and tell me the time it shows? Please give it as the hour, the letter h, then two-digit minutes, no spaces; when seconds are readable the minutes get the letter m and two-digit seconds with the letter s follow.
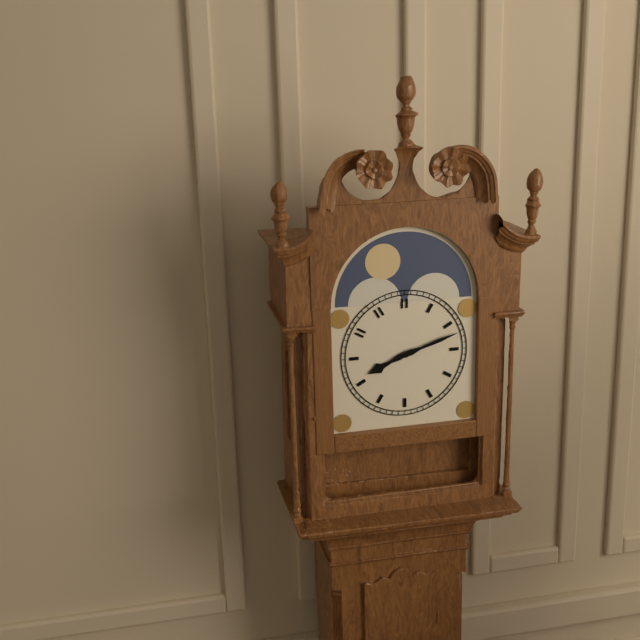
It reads 8h12
